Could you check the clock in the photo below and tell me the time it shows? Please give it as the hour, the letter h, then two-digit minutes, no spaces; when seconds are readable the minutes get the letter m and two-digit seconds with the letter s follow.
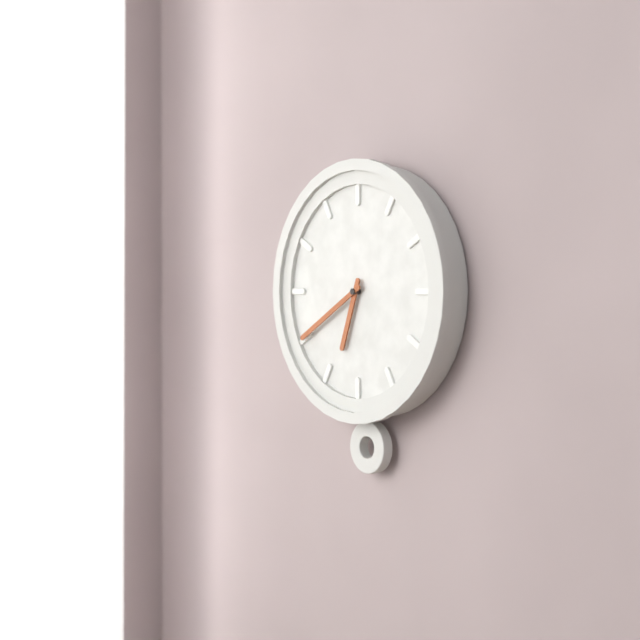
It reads 6h40
